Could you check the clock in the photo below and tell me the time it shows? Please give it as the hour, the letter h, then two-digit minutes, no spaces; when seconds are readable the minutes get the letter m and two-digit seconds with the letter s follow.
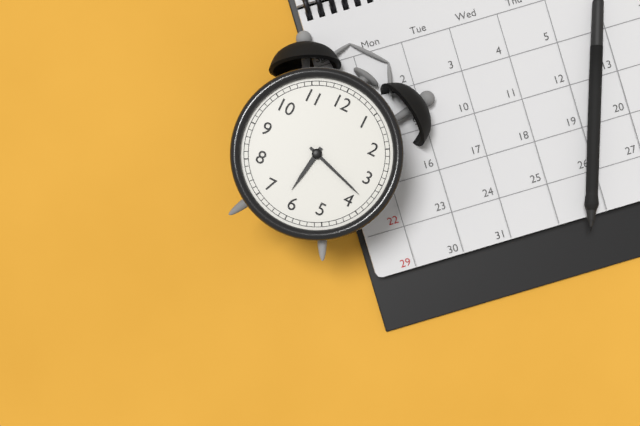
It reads 6h18
